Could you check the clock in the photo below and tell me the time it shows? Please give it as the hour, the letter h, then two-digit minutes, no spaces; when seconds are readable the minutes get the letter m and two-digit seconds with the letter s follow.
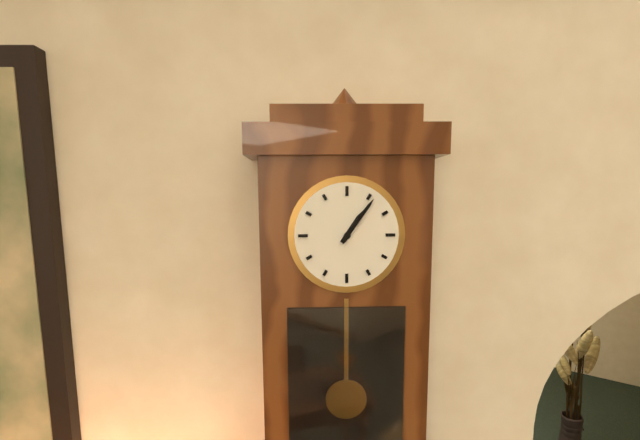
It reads 1h06
